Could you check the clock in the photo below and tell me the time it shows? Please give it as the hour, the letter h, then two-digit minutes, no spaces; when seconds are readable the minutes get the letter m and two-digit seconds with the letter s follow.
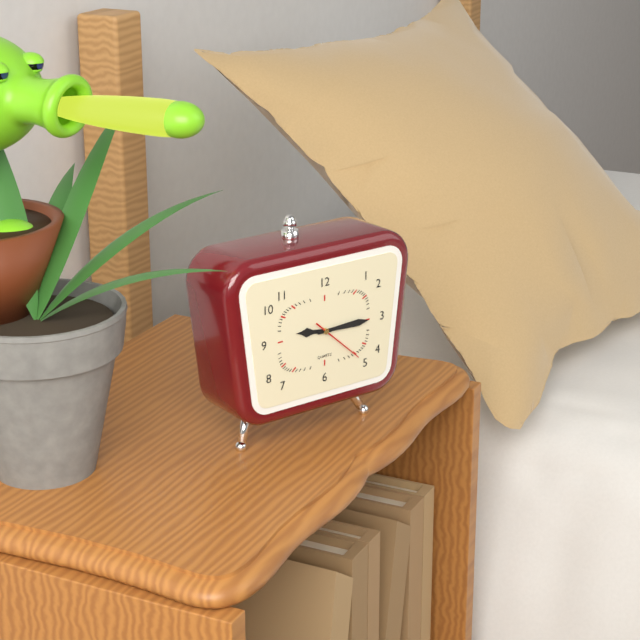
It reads 9h15m22s
